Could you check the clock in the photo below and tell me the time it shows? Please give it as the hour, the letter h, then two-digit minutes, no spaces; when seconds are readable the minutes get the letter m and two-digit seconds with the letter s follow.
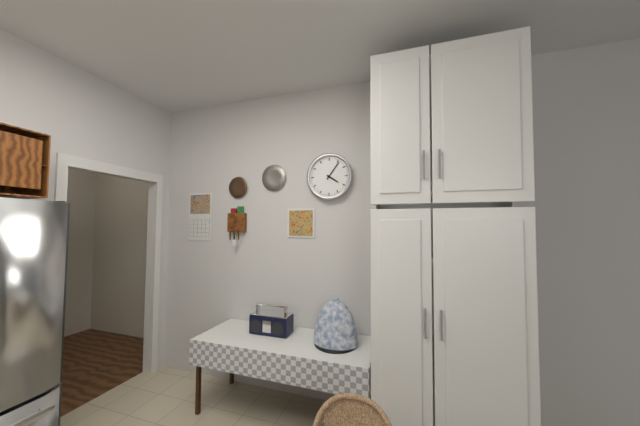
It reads 4h06
